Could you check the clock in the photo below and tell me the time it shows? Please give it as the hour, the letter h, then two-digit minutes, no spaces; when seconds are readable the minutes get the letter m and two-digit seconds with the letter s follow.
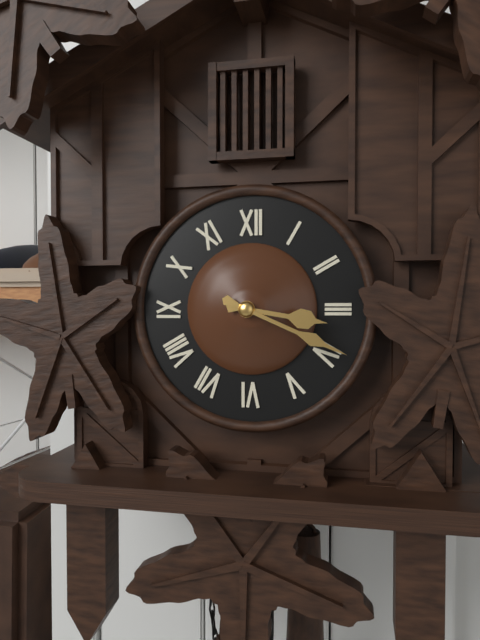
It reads 3h19
